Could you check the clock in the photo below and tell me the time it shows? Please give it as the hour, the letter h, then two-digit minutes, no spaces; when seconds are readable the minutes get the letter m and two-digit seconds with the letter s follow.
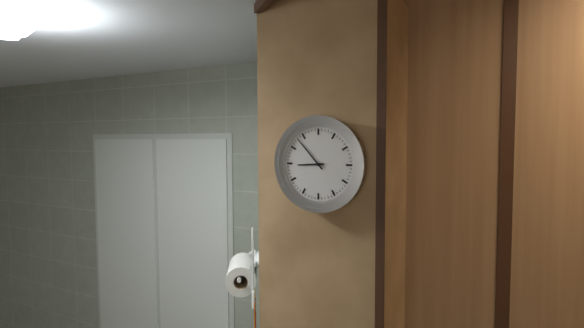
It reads 8h53
